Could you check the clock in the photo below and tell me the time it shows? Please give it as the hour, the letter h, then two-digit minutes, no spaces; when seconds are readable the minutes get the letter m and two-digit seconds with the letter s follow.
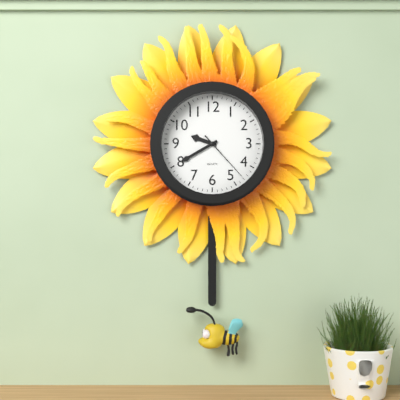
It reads 9h40m23s
